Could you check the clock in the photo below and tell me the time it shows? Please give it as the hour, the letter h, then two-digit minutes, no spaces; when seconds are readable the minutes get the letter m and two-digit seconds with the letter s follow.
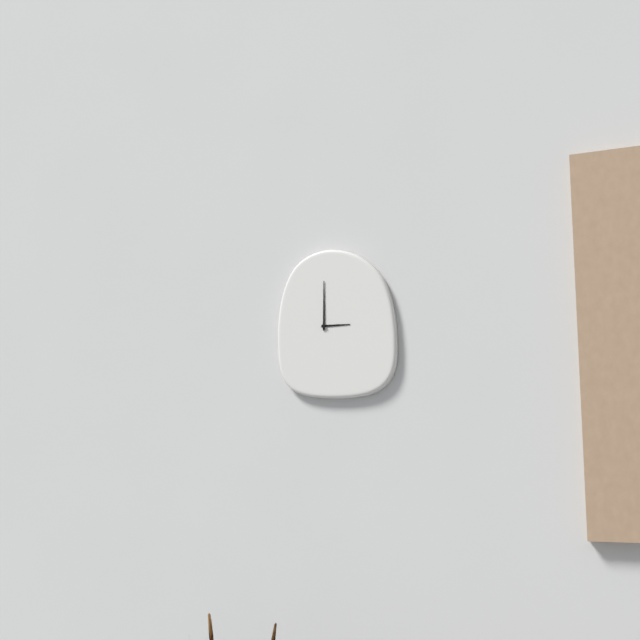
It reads 3h00
